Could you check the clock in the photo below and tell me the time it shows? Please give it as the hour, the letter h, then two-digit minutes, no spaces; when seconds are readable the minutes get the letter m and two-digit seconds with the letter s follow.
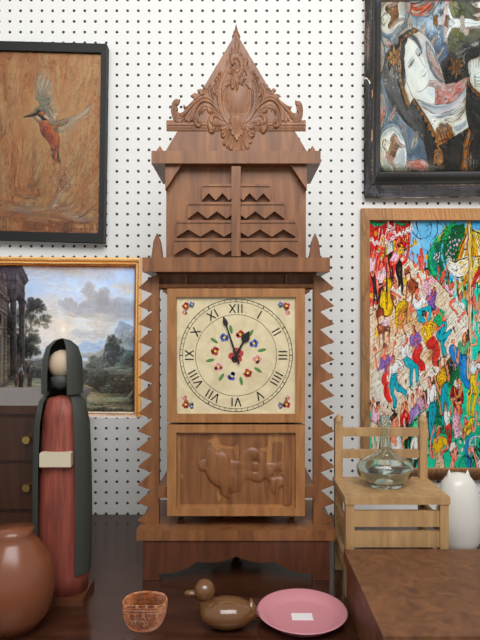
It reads 12h57
